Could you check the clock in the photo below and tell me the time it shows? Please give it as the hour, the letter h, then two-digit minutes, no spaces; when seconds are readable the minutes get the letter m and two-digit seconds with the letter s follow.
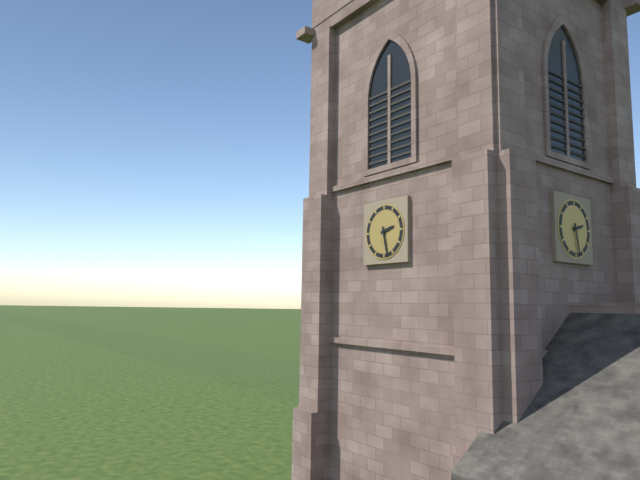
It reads 2h28
